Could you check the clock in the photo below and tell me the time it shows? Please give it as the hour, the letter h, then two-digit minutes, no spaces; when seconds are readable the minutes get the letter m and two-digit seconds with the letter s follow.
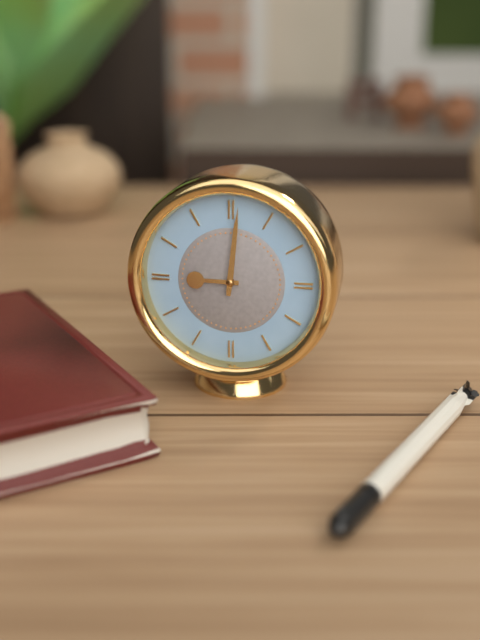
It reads 9h01
